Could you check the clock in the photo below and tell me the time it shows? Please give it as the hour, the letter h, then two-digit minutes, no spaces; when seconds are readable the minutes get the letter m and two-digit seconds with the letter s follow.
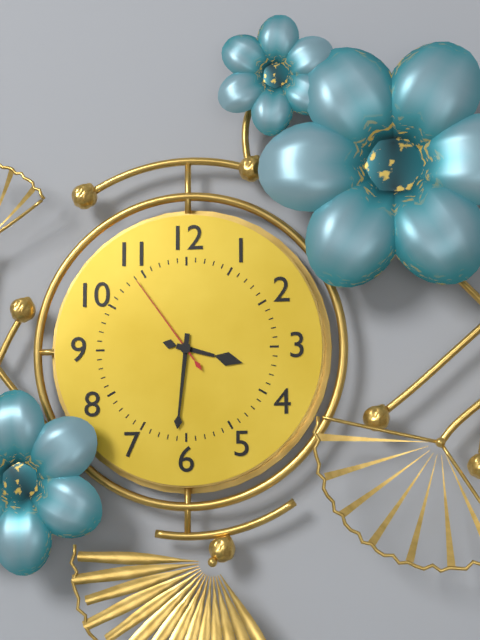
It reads 3h31m54s
